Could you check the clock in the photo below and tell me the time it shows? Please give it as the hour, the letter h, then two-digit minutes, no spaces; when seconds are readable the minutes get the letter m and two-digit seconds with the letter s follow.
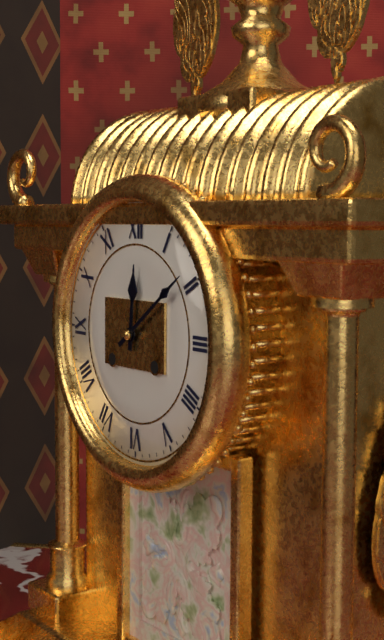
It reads 12h09
